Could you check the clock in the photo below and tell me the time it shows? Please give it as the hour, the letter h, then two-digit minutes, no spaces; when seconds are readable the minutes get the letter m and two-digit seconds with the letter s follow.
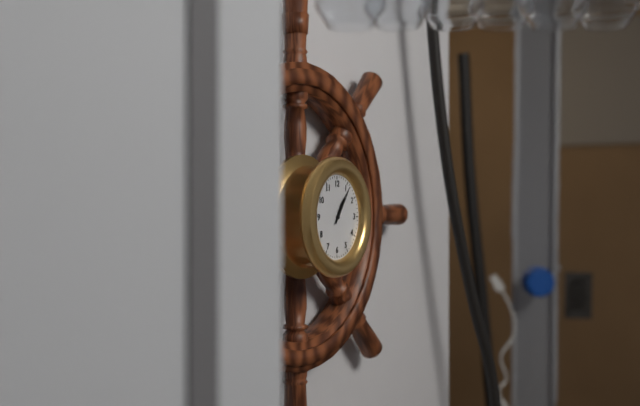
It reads 1h06
